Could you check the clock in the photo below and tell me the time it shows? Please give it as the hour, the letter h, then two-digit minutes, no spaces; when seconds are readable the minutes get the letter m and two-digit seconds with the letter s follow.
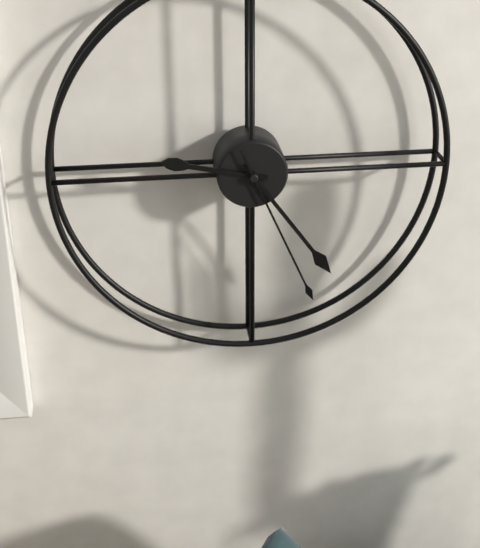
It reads 9h24m26s
